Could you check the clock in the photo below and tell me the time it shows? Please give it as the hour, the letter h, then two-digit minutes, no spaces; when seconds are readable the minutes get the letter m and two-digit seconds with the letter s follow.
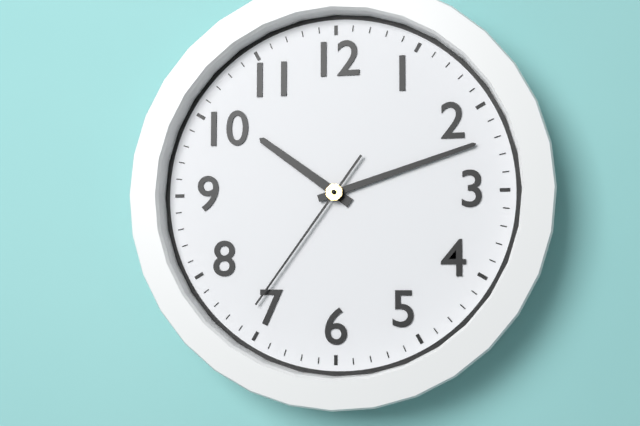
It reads 10h12m36s
